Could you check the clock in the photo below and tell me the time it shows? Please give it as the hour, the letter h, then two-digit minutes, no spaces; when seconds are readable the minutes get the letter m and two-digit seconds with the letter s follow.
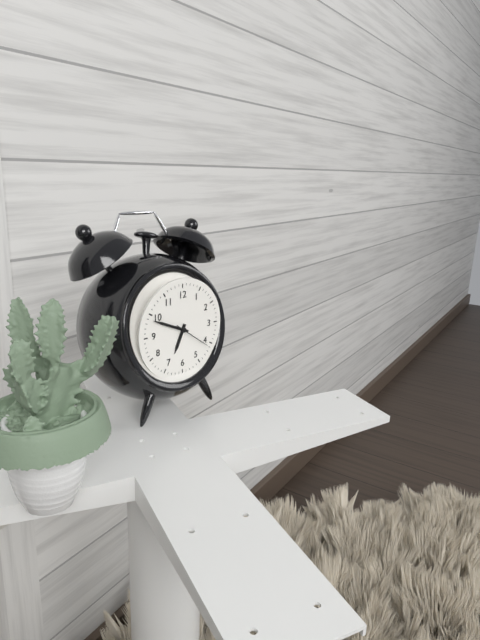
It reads 6h49
